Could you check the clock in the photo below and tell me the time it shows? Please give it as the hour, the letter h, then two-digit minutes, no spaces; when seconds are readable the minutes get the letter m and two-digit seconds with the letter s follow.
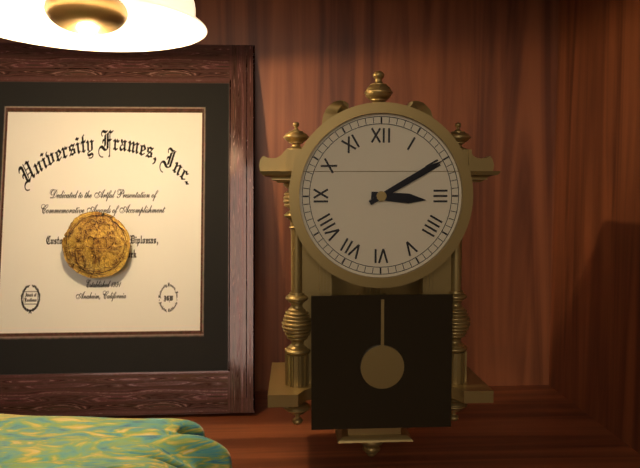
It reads 3h10
